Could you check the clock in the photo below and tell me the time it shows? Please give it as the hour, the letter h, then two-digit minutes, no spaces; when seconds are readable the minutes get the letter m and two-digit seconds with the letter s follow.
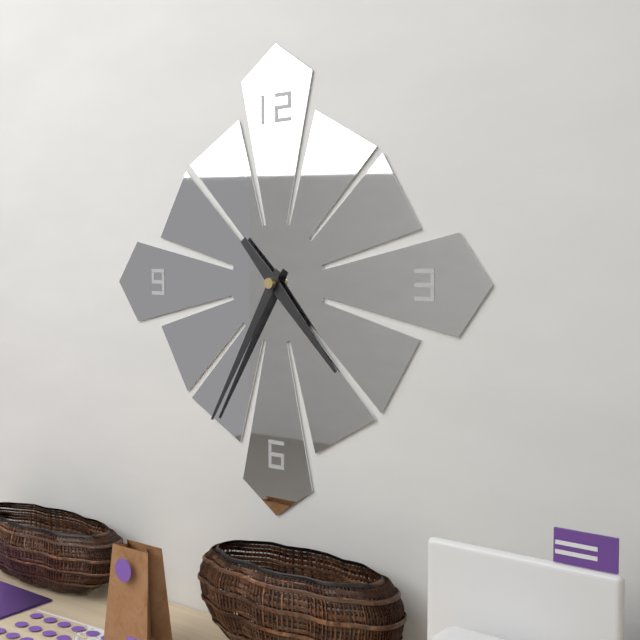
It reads 4h35
